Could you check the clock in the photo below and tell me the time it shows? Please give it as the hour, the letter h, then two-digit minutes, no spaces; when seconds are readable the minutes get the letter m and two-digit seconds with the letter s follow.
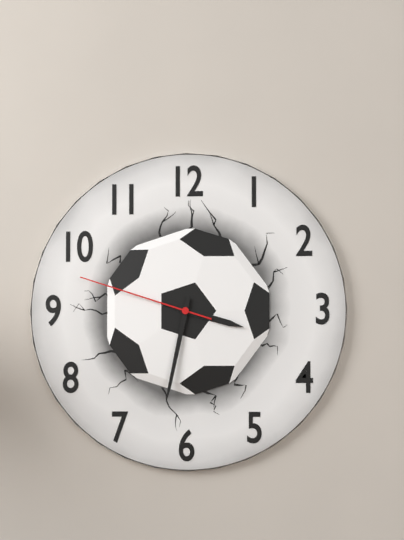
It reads 3h32m48s
